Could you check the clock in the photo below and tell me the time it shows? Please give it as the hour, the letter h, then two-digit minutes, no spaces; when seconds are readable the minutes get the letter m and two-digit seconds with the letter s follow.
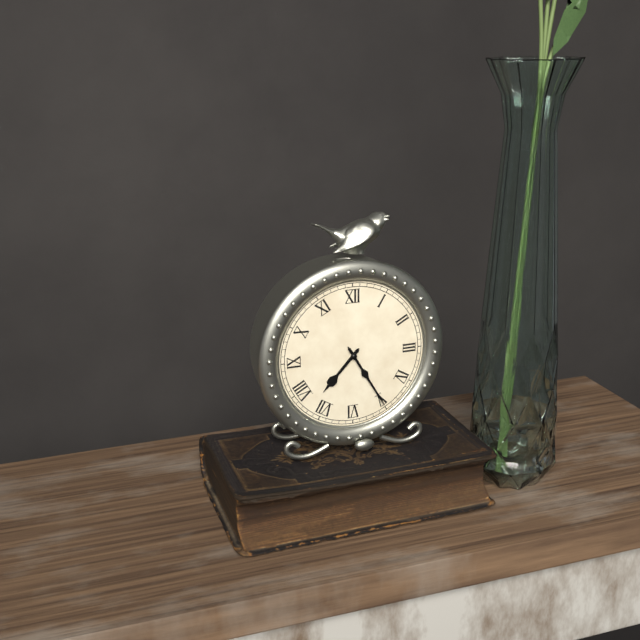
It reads 7h25
